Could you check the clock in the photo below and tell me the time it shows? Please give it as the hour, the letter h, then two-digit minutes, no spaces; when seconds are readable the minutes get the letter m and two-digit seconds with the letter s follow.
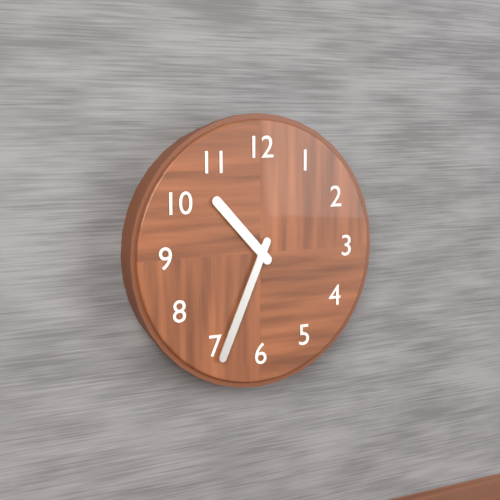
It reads 10h34
